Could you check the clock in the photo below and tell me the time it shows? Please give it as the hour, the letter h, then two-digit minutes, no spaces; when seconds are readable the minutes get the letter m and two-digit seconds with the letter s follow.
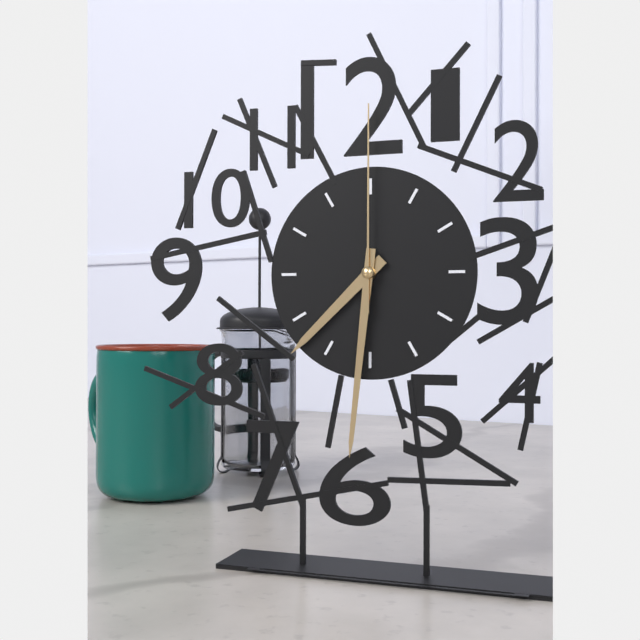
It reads 7h31m00s
